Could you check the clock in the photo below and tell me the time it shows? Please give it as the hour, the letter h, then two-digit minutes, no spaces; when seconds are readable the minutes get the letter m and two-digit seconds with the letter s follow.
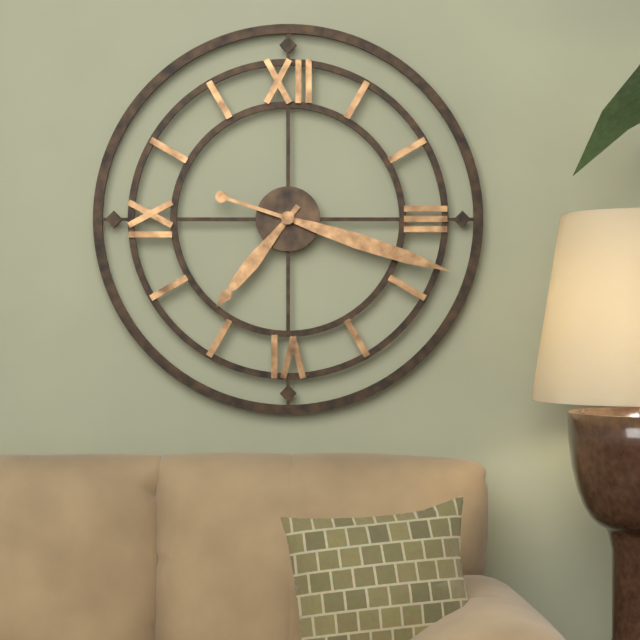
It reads 7h18
